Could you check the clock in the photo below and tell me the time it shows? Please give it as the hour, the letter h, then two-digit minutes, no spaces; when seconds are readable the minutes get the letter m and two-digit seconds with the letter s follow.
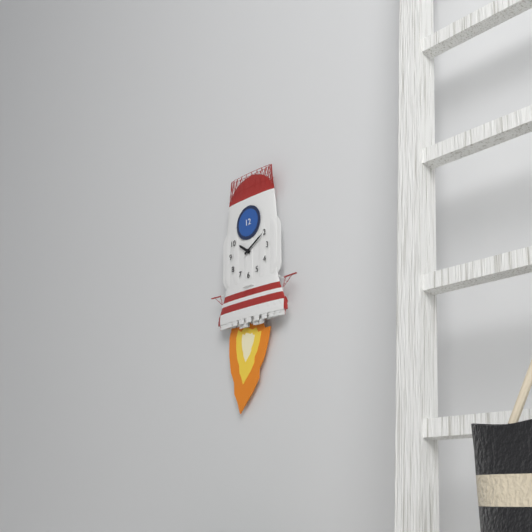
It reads 10h10
